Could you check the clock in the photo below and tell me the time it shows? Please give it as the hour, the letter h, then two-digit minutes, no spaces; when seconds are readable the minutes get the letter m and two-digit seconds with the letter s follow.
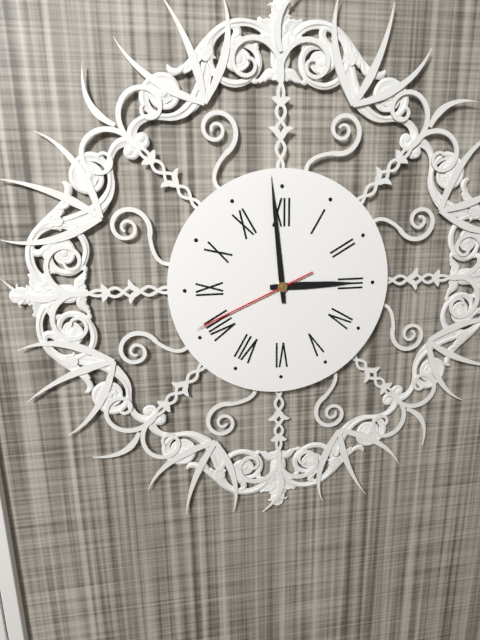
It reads 2h59m41s
